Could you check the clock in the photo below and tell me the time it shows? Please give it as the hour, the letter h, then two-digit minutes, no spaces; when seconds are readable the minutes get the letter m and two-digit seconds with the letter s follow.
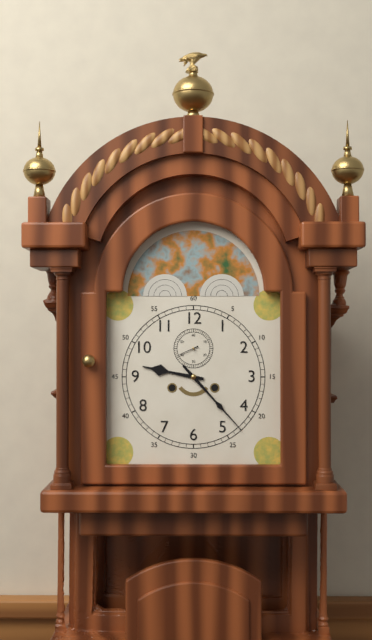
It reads 9h23
